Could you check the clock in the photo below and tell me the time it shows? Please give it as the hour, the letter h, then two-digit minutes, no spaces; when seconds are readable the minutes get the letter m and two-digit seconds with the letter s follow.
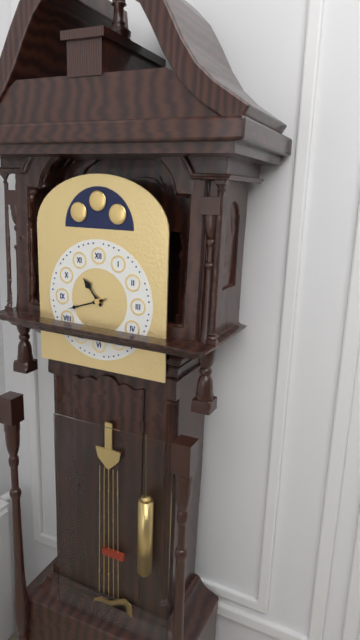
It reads 10h42
